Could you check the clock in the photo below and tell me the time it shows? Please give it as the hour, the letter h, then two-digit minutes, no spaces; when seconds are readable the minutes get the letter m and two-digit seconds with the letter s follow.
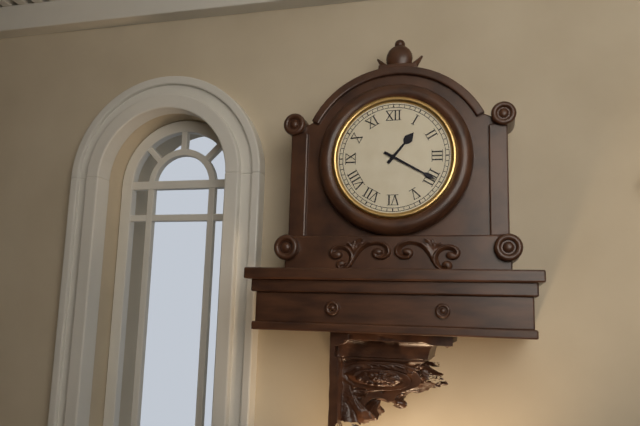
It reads 1h20
